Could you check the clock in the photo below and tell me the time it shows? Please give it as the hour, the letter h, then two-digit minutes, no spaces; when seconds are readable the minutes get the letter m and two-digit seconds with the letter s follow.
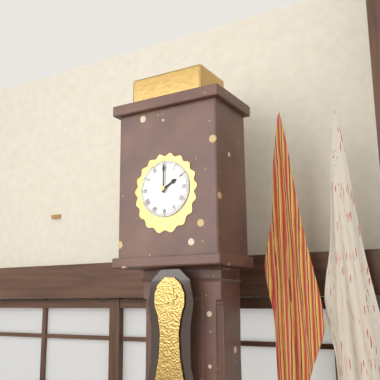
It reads 2h00
